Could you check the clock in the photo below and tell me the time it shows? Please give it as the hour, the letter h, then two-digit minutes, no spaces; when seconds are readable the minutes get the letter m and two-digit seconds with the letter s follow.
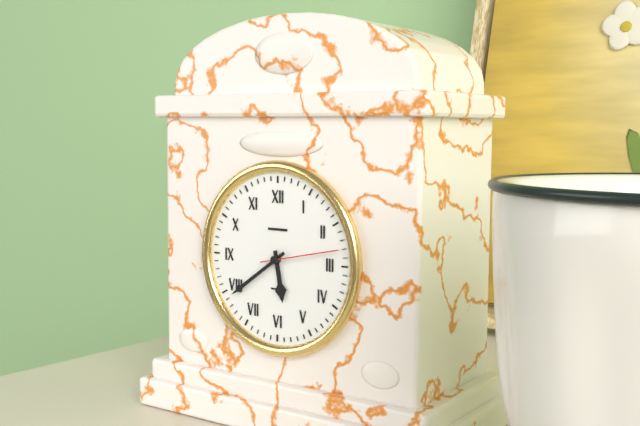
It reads 5h39m13s
